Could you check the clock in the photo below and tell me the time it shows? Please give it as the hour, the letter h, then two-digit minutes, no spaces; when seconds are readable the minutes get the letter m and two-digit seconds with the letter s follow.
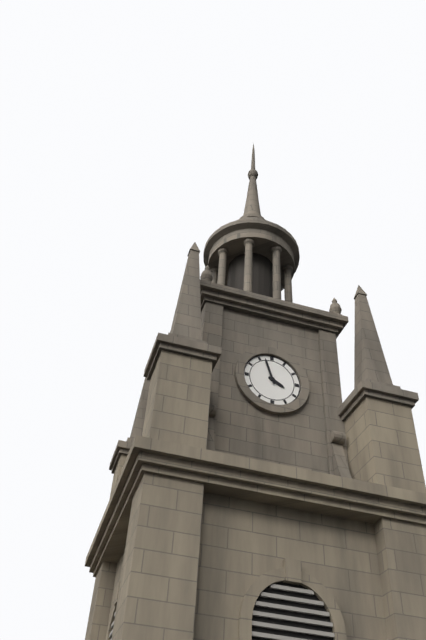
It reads 3h57
